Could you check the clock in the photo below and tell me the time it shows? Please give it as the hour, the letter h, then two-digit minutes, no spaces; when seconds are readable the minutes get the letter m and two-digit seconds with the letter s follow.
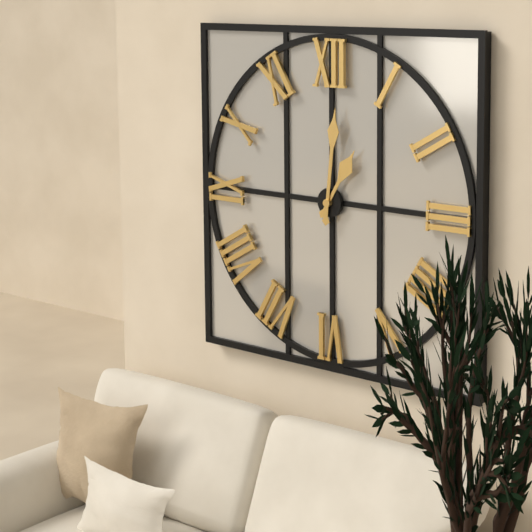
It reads 1h01
